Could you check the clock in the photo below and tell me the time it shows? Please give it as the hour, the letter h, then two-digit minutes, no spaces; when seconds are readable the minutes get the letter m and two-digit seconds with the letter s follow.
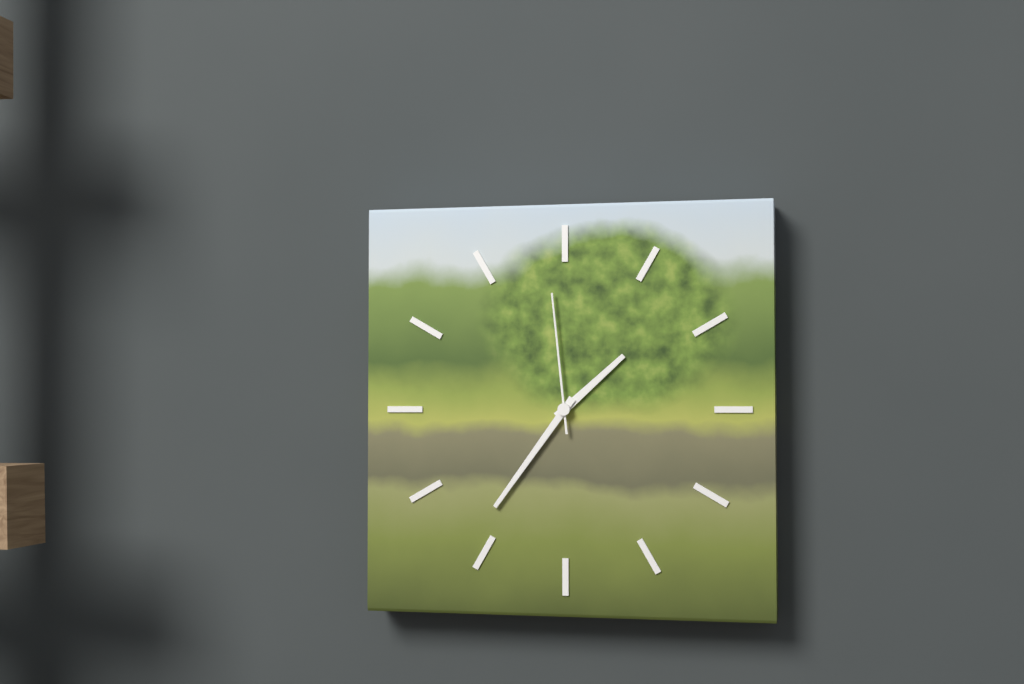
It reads 1h36m59s
